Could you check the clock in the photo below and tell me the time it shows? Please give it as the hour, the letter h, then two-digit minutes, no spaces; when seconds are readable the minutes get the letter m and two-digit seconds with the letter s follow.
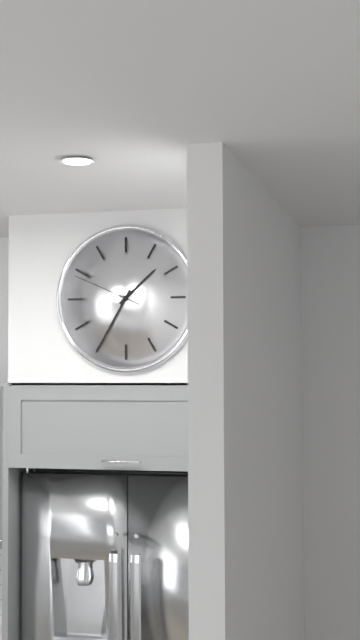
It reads 1h35m49s
